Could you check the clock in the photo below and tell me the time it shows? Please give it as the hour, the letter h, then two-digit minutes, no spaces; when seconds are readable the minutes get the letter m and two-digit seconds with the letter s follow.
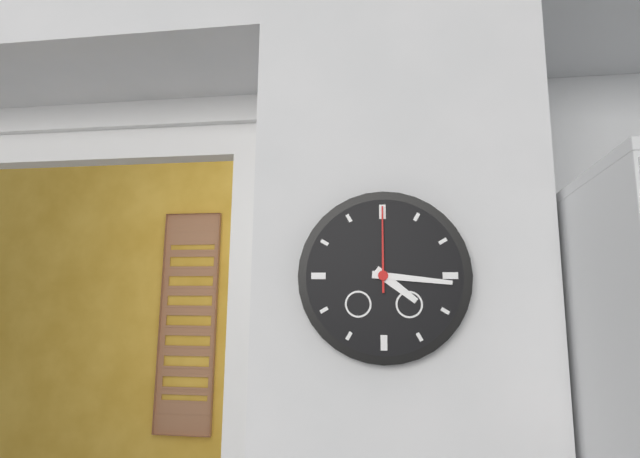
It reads 4h16m00s
